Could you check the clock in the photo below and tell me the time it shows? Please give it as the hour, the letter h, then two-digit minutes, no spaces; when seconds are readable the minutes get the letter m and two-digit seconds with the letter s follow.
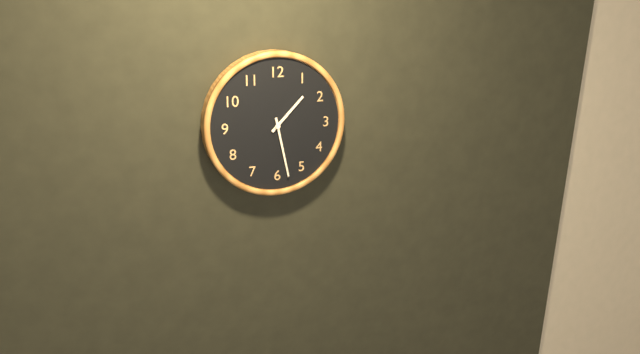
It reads 1h28
